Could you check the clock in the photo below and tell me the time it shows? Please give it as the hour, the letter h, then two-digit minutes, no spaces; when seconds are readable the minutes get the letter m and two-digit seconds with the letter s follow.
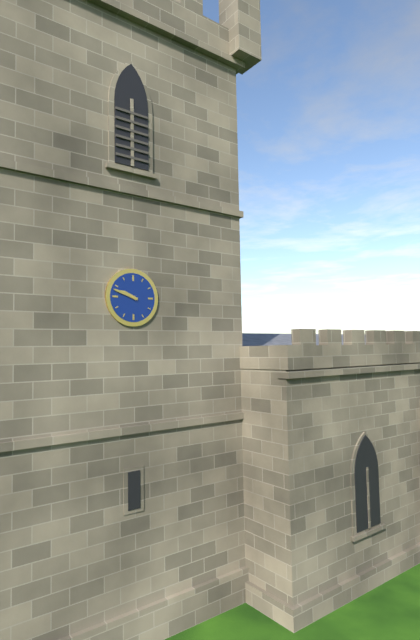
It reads 9h48
